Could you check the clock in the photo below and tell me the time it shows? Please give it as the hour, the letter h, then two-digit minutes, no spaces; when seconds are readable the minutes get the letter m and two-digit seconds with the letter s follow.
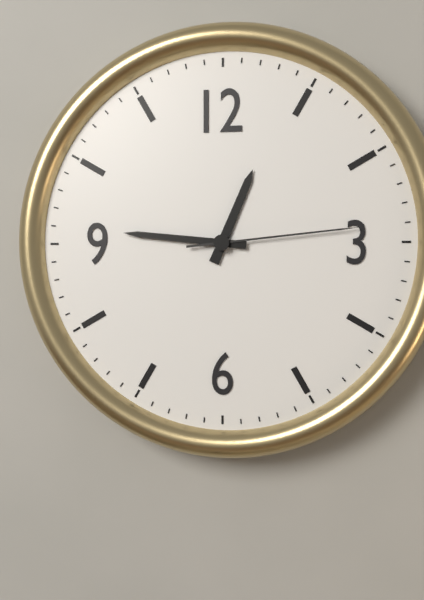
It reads 12h46m14s
